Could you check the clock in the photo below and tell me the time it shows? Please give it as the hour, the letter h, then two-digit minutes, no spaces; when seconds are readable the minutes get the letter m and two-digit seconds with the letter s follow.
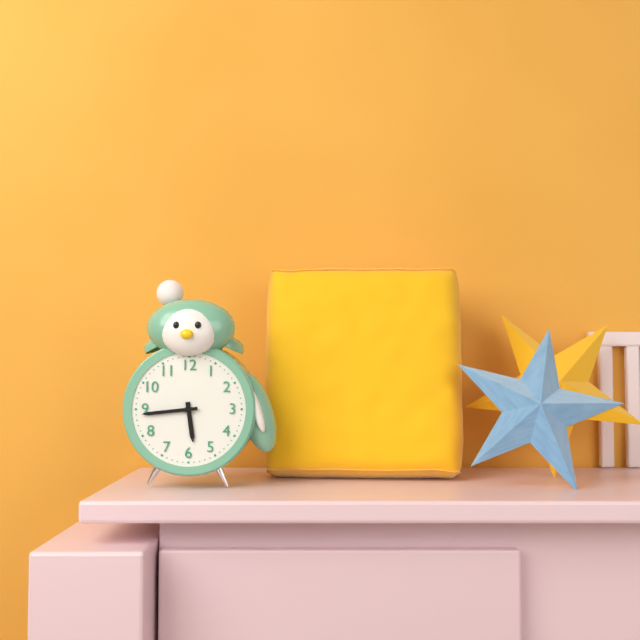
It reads 5h44
